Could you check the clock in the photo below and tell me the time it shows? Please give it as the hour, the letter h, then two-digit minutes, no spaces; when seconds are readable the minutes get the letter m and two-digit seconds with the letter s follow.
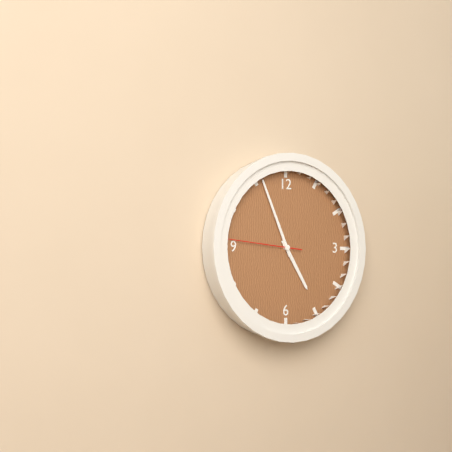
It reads 4h56m46s
